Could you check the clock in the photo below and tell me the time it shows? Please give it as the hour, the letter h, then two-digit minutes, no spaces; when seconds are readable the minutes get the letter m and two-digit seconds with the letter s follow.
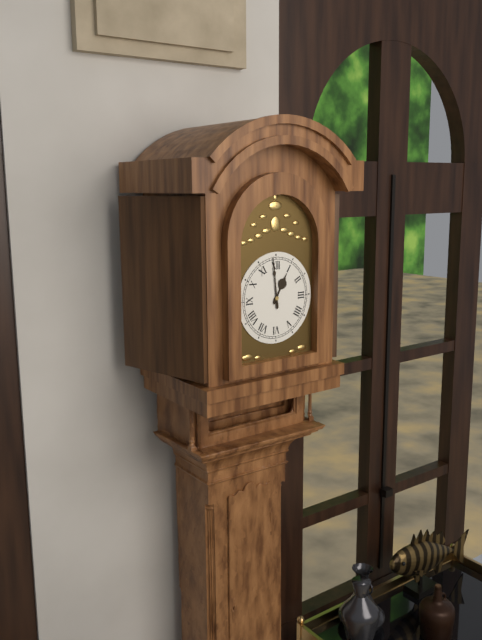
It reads 12h59
